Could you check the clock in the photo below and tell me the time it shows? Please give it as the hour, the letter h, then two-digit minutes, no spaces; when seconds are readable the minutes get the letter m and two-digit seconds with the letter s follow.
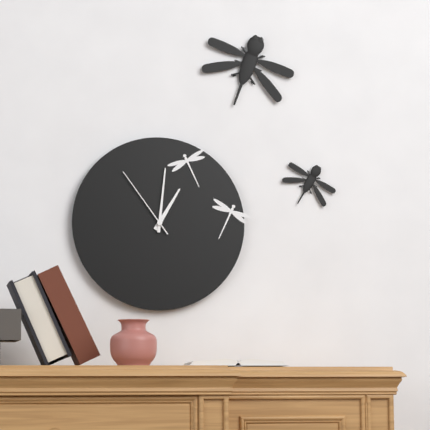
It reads 1h01m54s
